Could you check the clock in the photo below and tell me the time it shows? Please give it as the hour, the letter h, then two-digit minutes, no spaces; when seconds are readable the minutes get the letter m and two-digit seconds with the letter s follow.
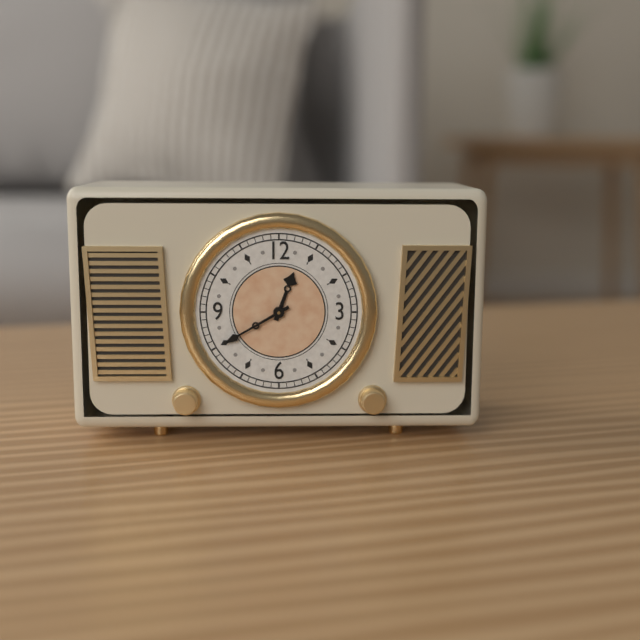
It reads 12h40
